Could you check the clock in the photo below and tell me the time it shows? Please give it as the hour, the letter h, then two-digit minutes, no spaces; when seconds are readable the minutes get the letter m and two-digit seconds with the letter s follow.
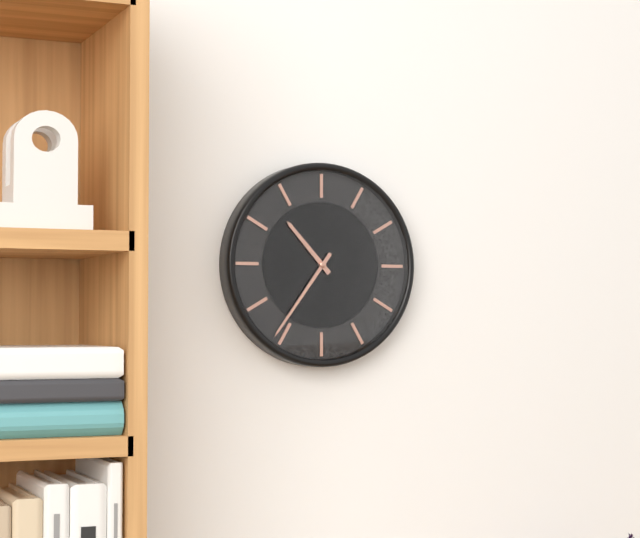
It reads 10h36
